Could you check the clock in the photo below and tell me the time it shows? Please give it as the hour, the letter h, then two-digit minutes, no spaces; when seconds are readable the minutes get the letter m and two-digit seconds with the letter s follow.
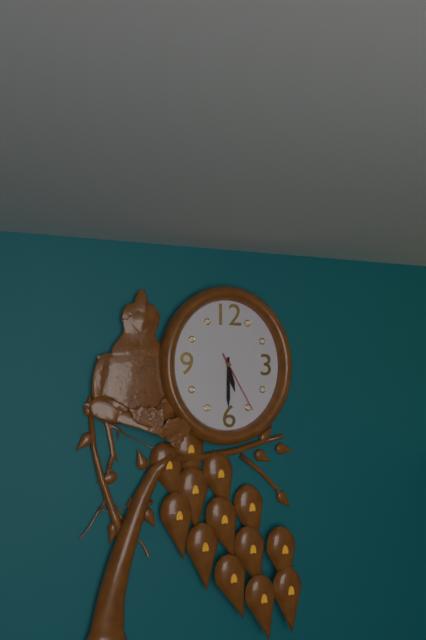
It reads 5h30m25s
